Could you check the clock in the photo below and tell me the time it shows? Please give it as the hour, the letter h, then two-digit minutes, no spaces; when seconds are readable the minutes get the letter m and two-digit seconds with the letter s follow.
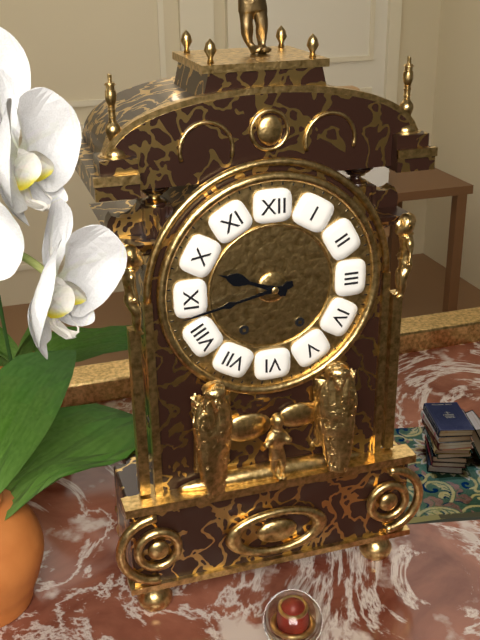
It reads 9h43
